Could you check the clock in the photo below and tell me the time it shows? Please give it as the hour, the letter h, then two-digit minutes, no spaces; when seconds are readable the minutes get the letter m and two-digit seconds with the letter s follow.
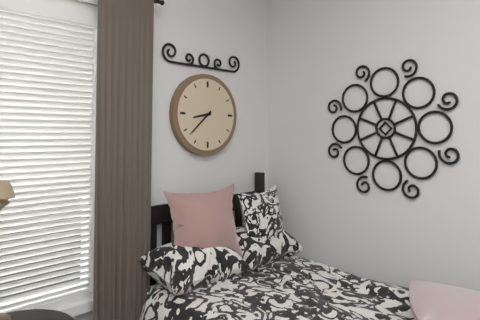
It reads 8h38
